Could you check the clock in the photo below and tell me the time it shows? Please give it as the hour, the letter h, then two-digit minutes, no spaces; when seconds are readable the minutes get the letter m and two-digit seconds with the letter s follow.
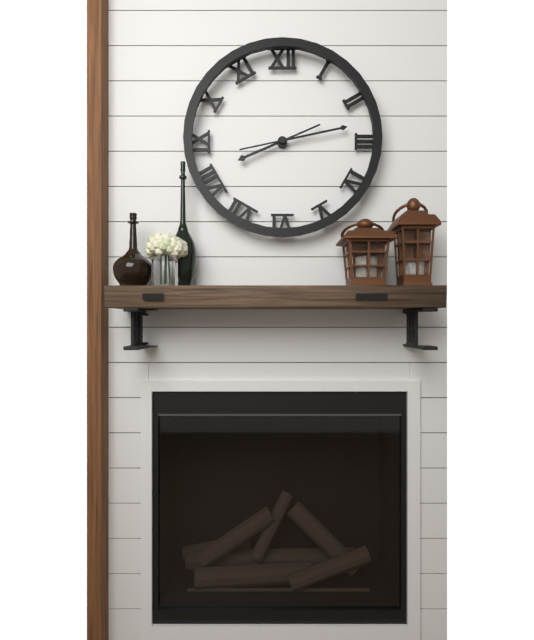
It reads 8h13
